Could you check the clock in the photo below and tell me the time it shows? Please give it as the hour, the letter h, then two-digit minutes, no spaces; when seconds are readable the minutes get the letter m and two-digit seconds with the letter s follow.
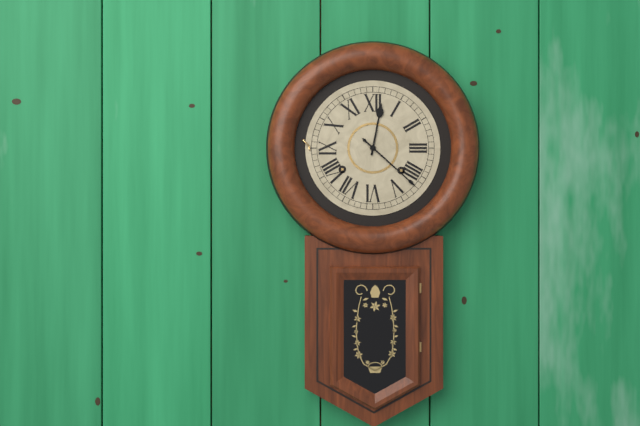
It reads 12h22
